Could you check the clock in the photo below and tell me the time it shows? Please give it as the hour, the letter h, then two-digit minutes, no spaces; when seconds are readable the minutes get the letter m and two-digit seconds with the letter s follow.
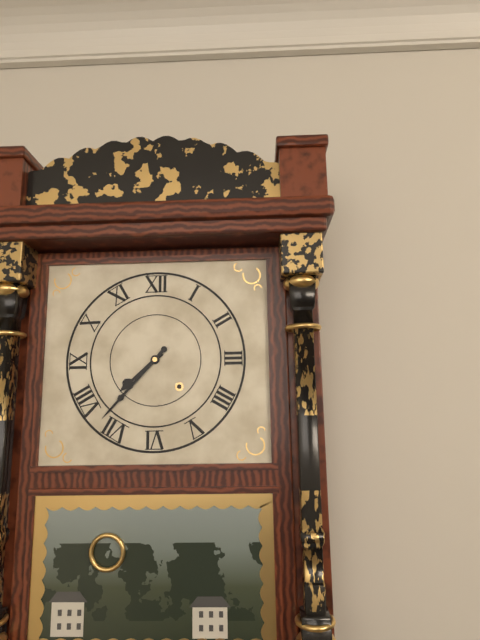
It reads 7h37
